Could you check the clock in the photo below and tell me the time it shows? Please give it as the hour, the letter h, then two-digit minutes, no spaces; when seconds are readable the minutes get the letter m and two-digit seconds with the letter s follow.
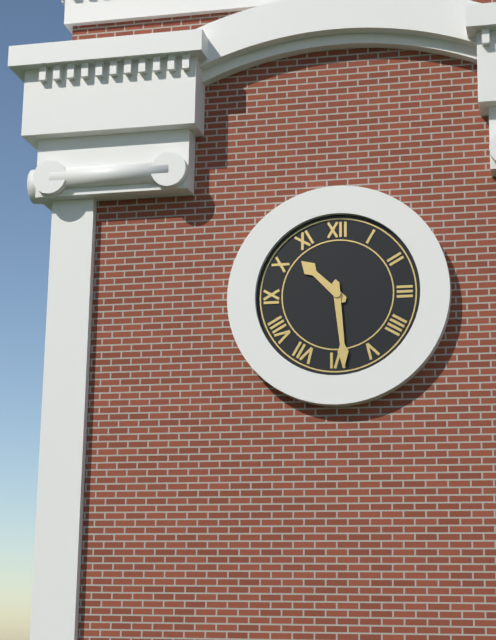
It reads 10h29
